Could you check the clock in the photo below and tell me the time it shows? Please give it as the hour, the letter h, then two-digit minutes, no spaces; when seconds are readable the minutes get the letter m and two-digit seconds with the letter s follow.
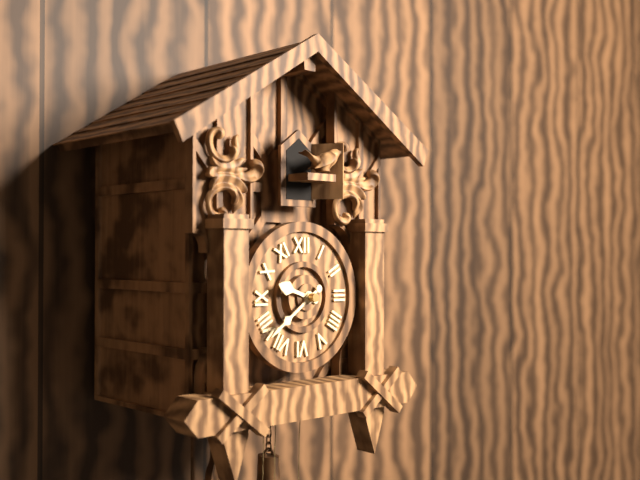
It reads 9h39
